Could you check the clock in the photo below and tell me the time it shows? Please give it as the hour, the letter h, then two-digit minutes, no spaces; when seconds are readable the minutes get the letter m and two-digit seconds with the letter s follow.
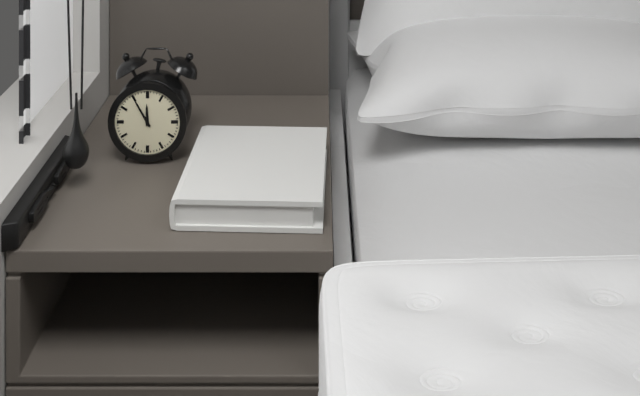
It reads 11h55
